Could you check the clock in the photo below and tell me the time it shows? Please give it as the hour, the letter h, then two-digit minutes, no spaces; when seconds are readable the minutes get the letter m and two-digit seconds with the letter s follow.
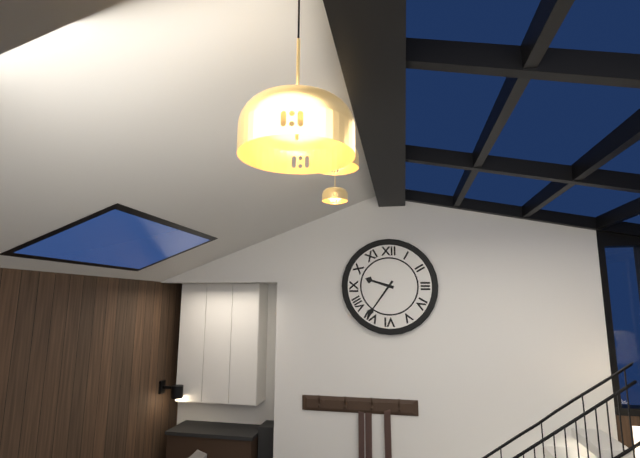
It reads 9h36
